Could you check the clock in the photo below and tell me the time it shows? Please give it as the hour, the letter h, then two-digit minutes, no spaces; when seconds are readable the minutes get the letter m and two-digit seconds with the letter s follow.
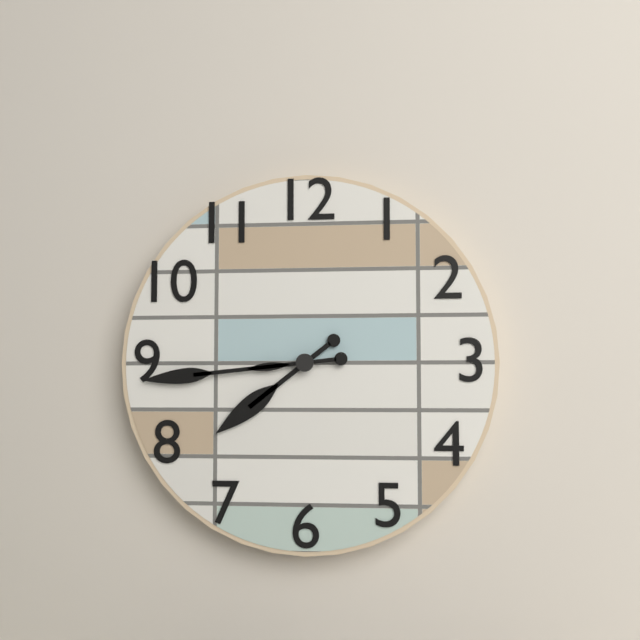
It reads 7h44
